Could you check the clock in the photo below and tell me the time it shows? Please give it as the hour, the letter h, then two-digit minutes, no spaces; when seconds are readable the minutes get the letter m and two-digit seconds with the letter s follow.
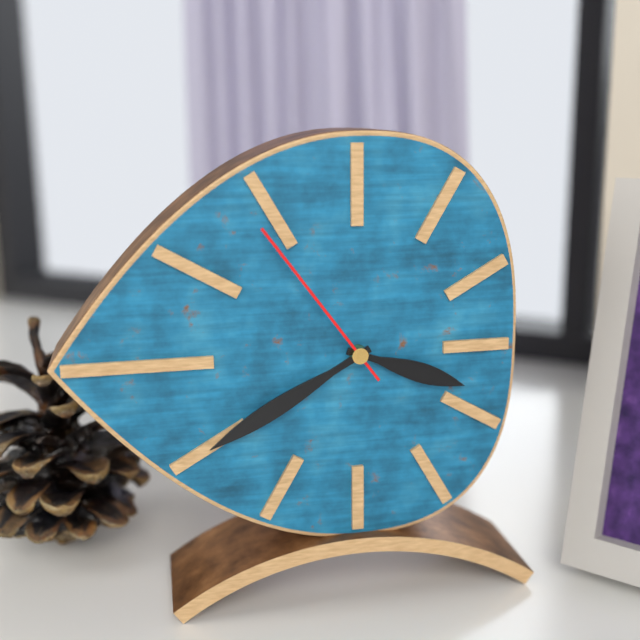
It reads 3h40m54s
